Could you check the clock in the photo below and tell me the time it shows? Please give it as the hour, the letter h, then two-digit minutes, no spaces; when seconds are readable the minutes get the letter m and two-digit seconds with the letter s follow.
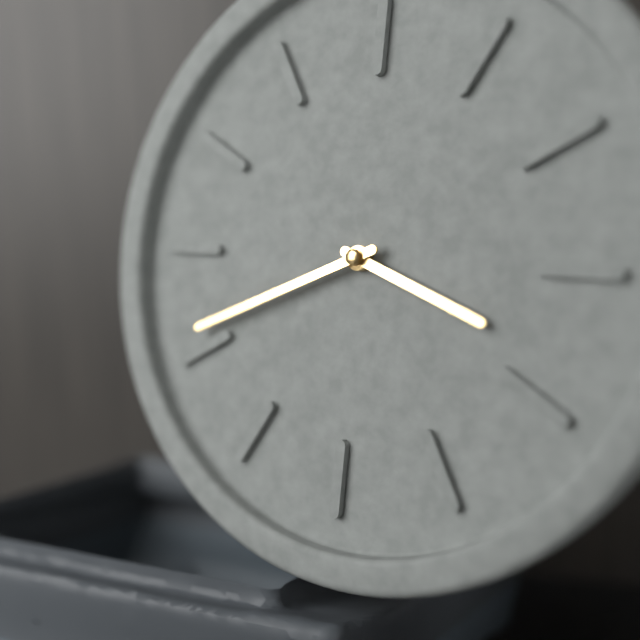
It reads 3h41
